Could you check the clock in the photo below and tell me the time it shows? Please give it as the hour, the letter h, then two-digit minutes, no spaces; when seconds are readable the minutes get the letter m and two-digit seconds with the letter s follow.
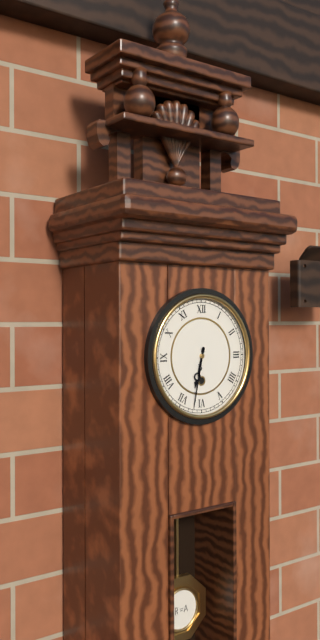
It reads 6h32
